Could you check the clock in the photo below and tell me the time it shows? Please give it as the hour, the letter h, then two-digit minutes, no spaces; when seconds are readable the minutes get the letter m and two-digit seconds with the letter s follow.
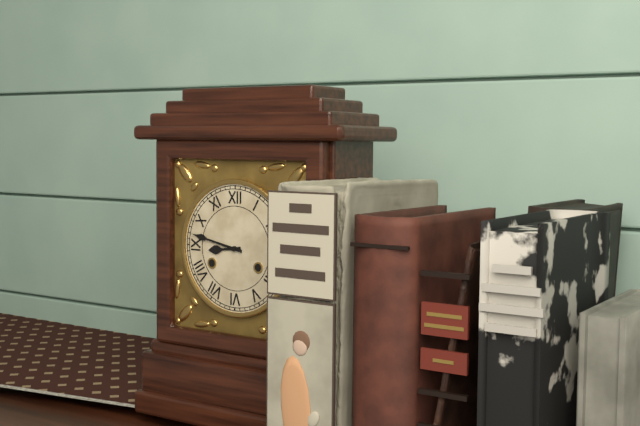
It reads 8h47
